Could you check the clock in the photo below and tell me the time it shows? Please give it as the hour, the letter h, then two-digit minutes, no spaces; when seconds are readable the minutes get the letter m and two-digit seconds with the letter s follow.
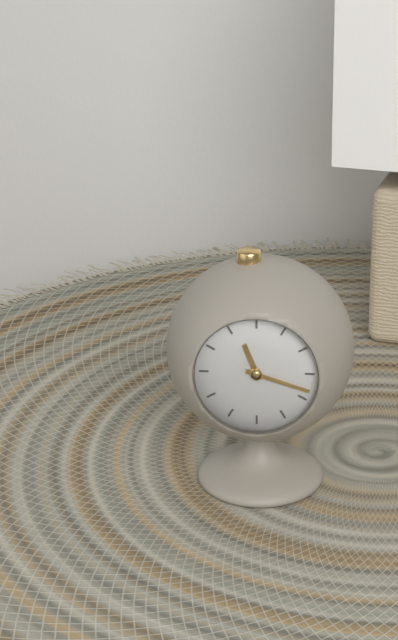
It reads 11h18
